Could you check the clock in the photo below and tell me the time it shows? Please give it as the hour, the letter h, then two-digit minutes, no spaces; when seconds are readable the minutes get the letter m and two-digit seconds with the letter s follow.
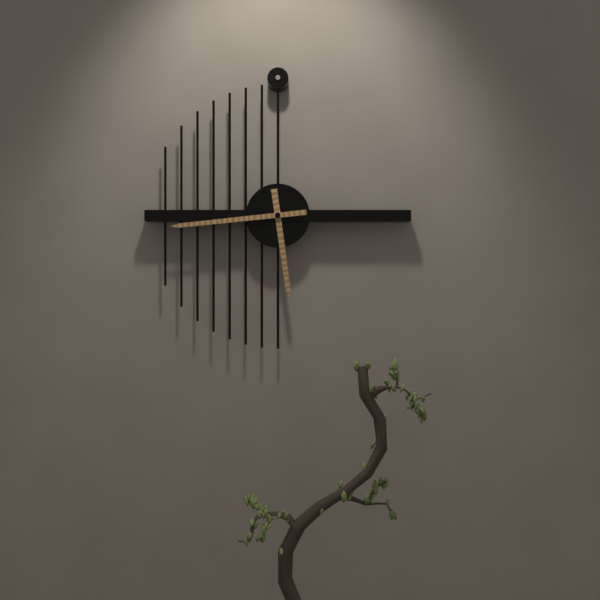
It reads 5h44
